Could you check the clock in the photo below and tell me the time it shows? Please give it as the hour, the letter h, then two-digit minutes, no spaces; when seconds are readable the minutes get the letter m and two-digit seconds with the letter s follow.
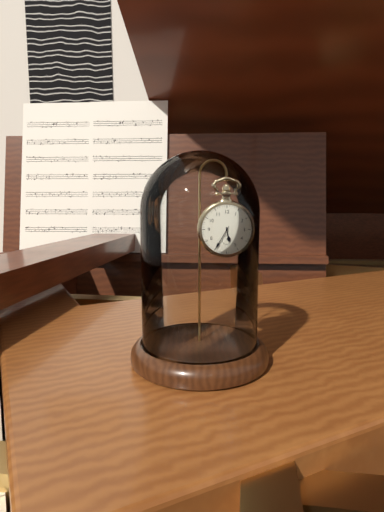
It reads 5h35
